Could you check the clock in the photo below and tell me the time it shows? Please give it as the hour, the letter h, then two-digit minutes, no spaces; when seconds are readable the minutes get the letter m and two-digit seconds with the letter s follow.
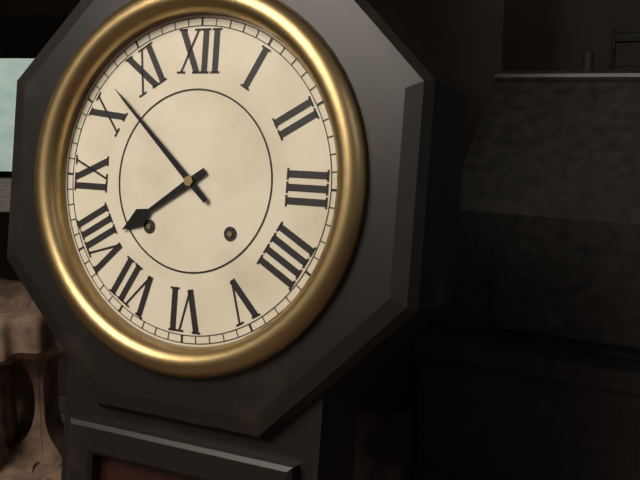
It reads 7h52
